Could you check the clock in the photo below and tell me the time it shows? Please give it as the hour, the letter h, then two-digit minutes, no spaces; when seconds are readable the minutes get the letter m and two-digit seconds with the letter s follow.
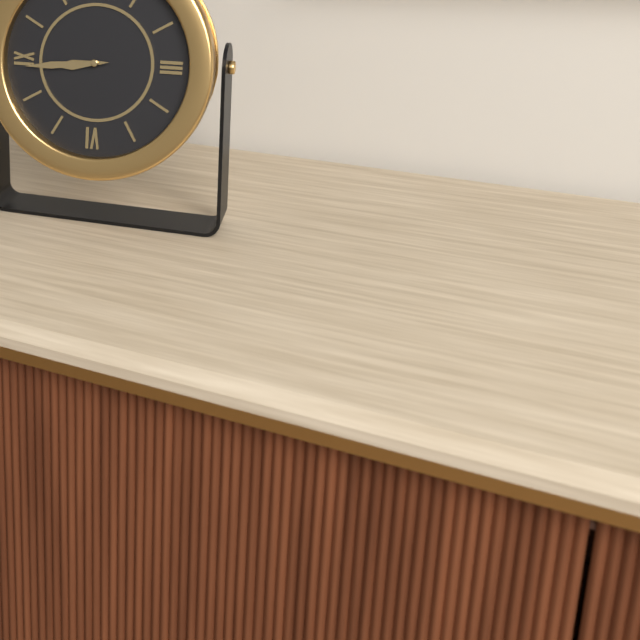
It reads 8h44
